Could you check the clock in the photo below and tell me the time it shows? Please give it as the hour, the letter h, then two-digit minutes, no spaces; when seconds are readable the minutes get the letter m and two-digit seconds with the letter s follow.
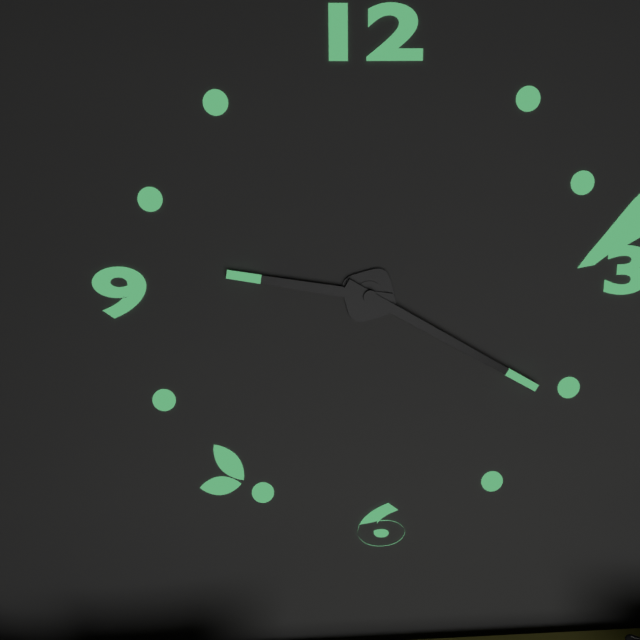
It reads 9h20
